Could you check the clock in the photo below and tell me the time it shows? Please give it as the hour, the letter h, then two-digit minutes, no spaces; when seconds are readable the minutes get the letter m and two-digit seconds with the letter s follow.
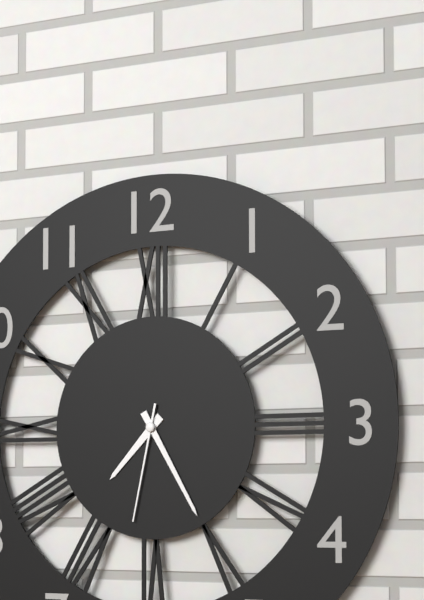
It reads 7h25m32s
